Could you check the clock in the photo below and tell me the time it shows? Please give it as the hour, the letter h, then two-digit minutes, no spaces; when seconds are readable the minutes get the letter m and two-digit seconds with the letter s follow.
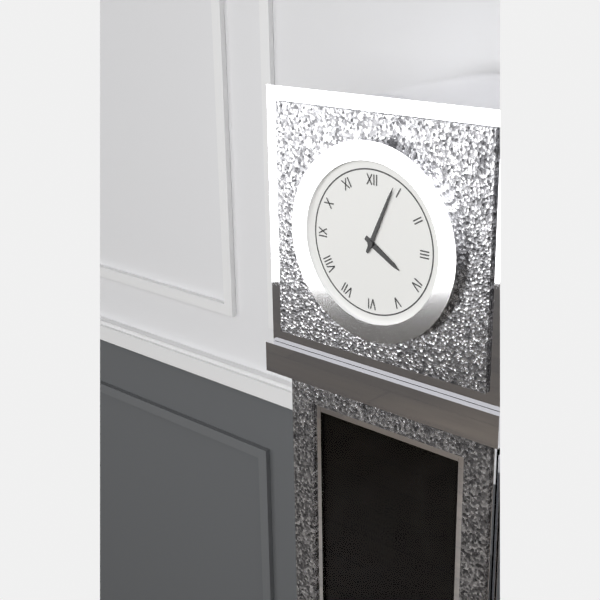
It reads 4h04
